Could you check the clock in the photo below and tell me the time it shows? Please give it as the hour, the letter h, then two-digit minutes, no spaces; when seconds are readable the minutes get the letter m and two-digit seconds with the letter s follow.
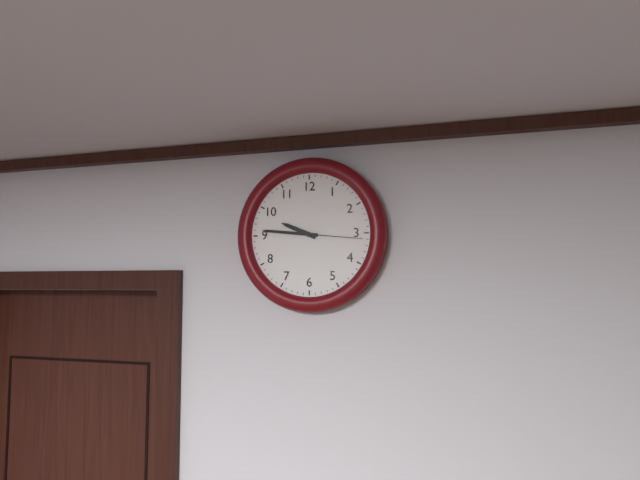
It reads 9h46m16s
